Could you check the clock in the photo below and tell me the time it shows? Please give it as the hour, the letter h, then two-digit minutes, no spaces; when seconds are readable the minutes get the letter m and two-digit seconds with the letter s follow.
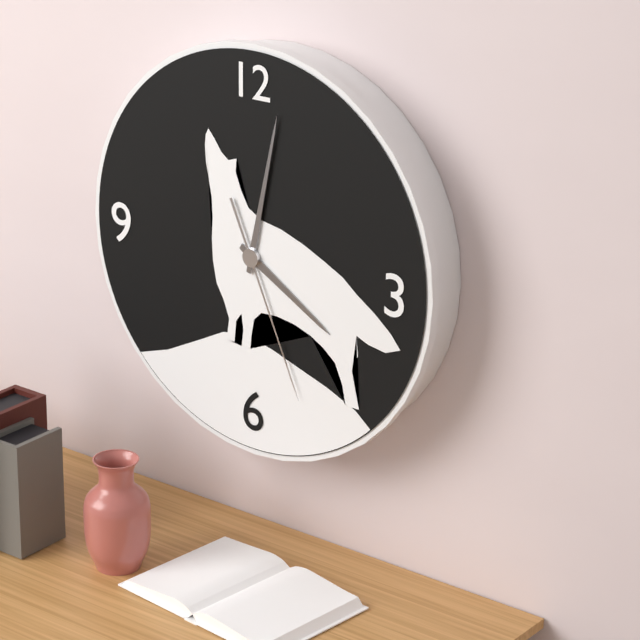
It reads 4h02m26s
